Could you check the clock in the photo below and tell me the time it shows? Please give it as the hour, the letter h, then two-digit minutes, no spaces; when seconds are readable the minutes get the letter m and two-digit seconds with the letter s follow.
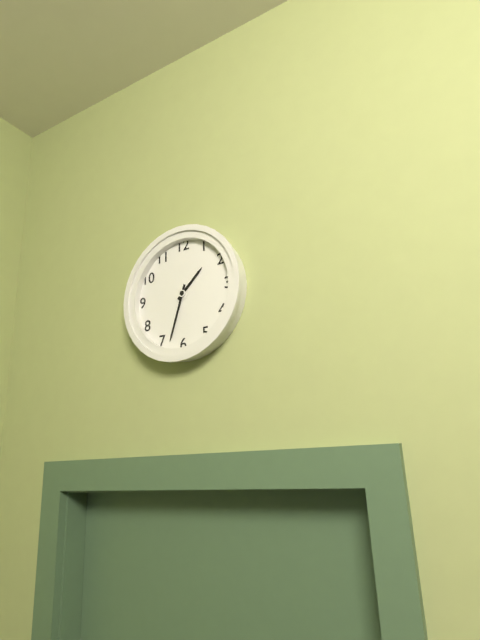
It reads 1h33
